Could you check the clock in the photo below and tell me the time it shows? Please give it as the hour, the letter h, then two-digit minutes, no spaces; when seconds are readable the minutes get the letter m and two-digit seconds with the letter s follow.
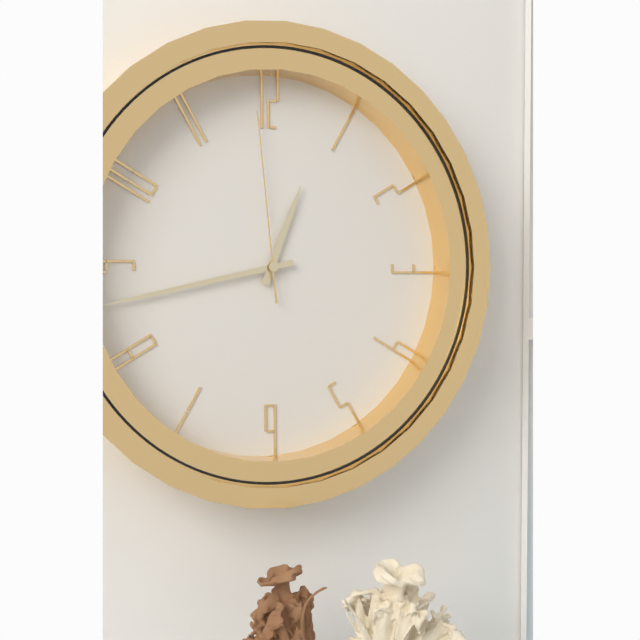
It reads 12h43m59s
